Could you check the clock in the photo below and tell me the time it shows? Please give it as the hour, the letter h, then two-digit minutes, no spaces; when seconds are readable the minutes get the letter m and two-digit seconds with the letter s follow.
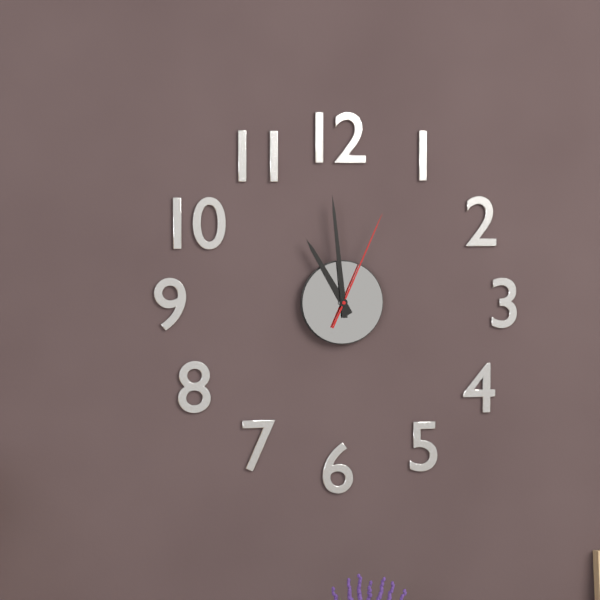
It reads 10h59m04s
